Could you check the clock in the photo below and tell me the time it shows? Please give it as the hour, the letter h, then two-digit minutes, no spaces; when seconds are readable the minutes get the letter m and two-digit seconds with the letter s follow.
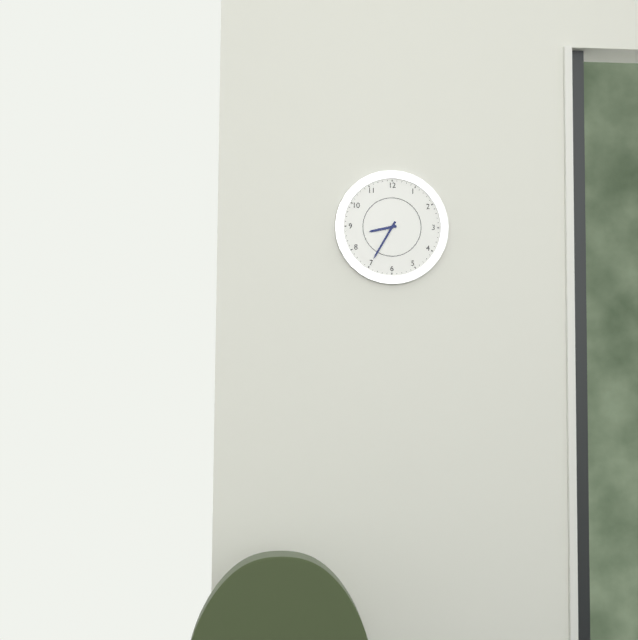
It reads 8h35
